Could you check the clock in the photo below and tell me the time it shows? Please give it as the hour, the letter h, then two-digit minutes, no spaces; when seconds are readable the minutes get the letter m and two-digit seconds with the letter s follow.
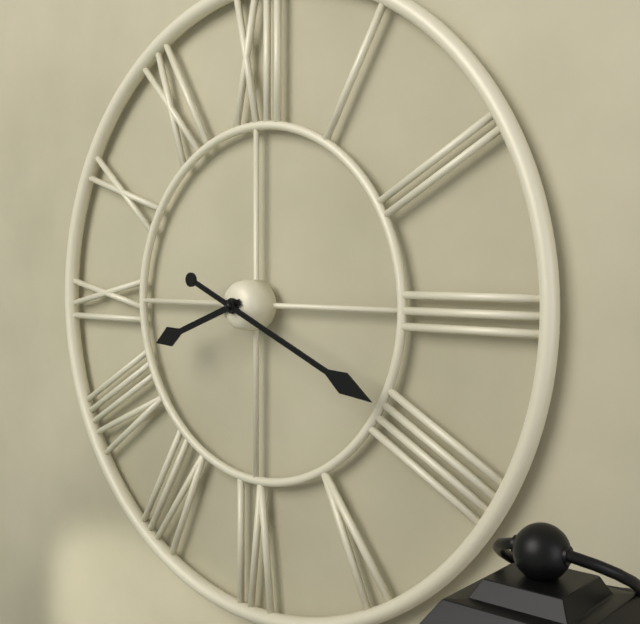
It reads 8h19
